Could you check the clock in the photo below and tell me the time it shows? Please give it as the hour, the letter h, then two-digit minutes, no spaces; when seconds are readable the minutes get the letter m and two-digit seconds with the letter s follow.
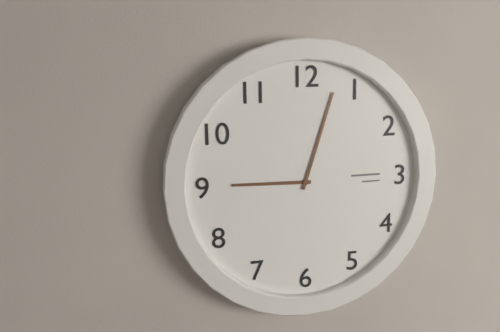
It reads 9h03
